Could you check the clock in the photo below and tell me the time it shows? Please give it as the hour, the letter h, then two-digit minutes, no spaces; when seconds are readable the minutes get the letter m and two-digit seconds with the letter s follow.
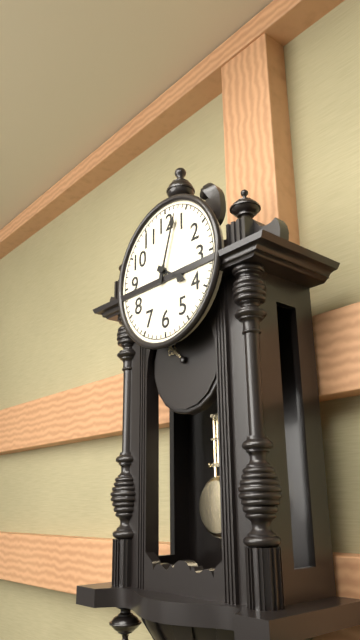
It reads 4h03
